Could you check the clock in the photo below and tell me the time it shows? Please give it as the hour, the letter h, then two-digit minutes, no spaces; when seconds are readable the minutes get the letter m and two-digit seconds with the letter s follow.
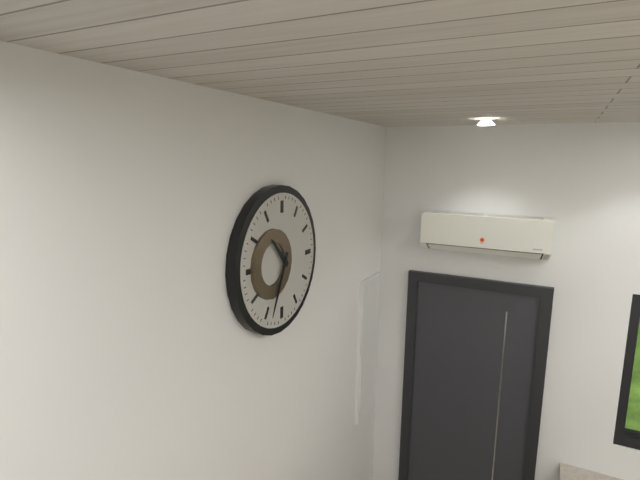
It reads 10h34
